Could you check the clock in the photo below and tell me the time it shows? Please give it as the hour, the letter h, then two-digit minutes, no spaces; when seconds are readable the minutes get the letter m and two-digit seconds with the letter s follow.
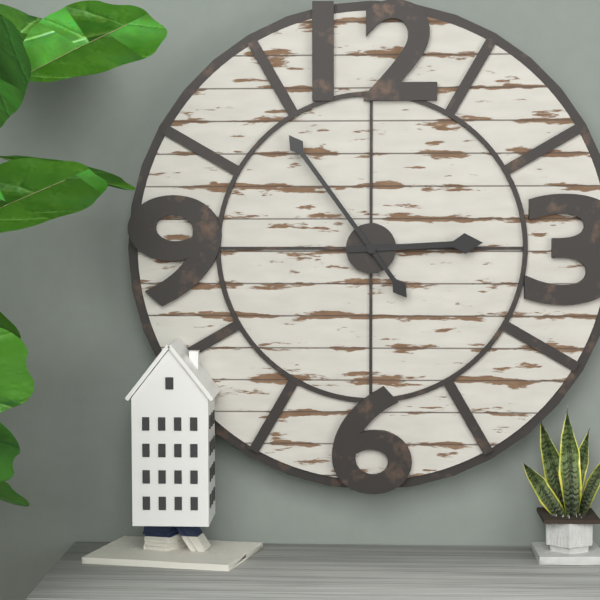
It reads 2h54
